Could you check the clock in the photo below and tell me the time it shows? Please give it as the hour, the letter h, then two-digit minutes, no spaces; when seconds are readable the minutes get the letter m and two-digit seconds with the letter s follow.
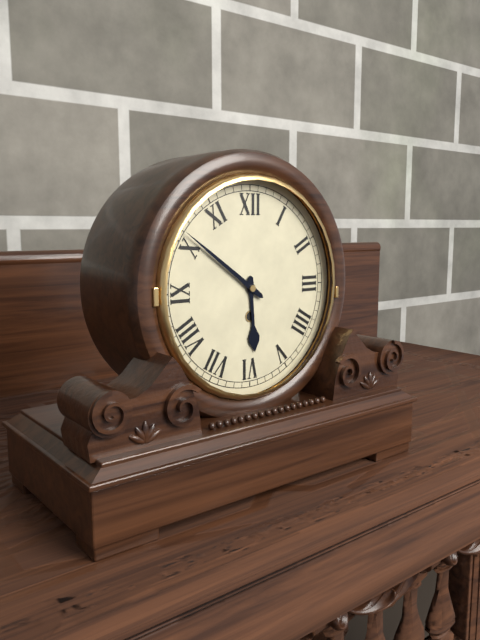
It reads 5h51
